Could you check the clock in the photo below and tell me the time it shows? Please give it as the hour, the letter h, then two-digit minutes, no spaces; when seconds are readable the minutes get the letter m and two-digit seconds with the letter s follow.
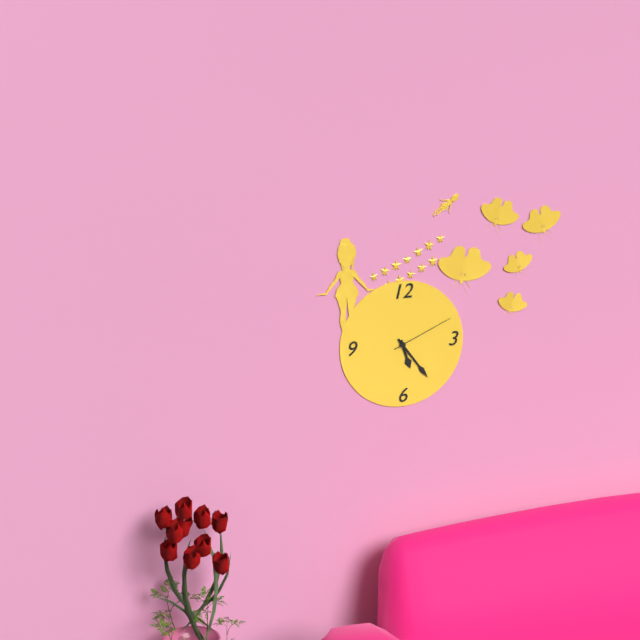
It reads 5h24m11s
